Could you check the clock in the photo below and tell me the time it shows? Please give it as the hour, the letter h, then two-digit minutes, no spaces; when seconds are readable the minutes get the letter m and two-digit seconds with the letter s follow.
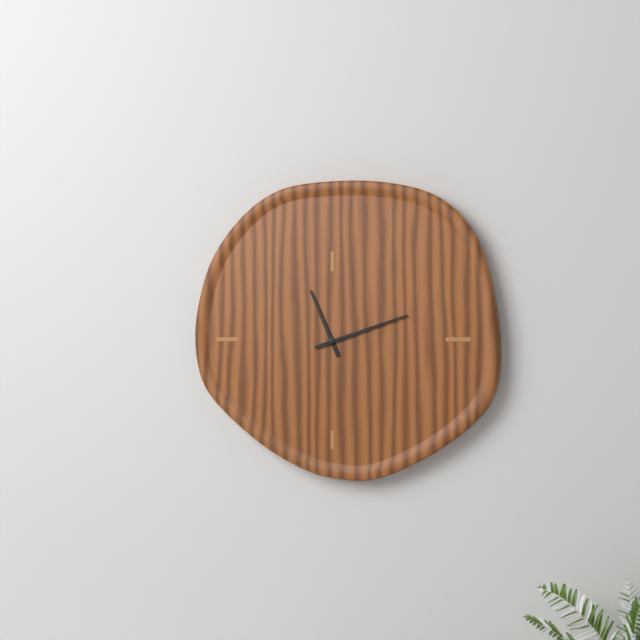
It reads 11h12
